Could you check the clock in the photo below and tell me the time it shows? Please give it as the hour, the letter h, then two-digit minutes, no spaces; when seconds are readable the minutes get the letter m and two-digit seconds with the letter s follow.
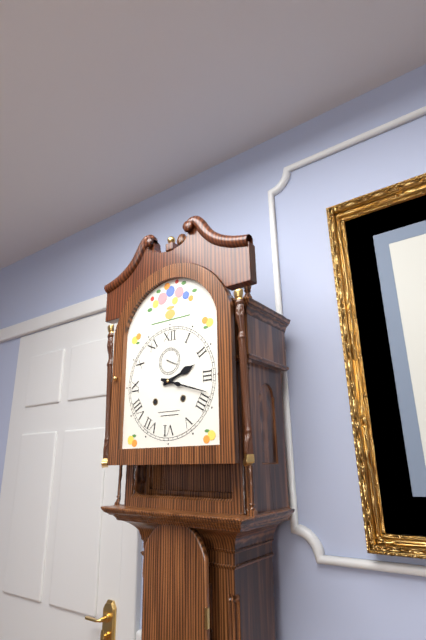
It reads 2h18
